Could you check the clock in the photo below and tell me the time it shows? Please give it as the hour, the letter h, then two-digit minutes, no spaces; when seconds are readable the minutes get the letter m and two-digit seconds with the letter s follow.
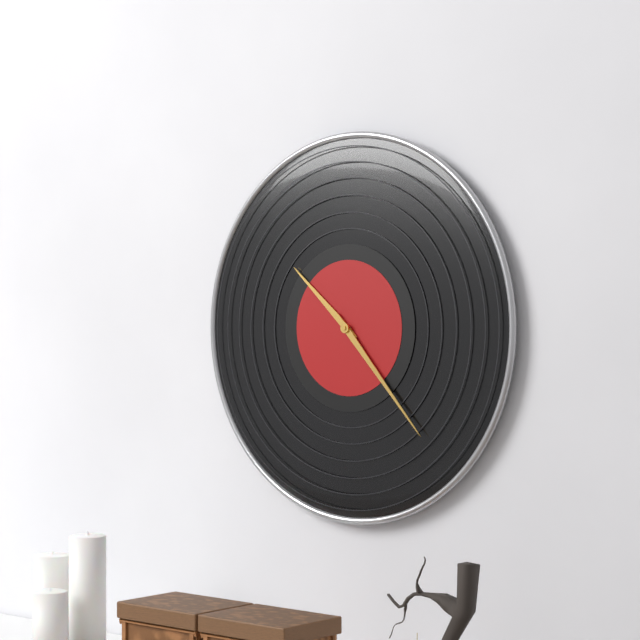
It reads 10h23
